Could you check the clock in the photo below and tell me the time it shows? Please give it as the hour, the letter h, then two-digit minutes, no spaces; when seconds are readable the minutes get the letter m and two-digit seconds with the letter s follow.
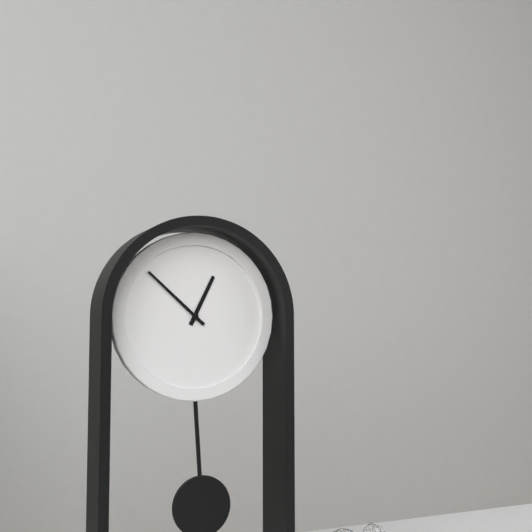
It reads 12h52
